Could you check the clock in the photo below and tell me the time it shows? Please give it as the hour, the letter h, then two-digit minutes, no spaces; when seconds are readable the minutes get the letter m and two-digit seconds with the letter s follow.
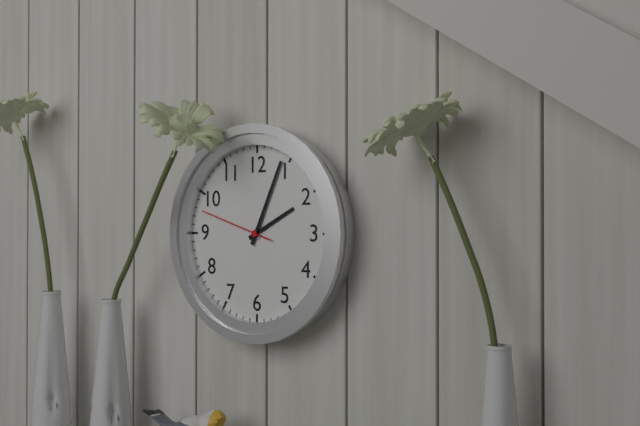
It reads 2h04m48s
